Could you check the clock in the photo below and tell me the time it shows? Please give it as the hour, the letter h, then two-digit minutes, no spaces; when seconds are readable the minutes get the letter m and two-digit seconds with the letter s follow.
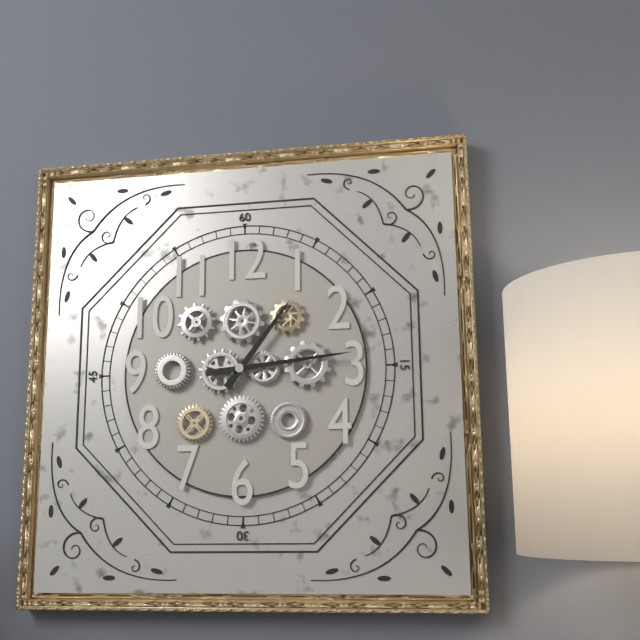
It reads 1h14
